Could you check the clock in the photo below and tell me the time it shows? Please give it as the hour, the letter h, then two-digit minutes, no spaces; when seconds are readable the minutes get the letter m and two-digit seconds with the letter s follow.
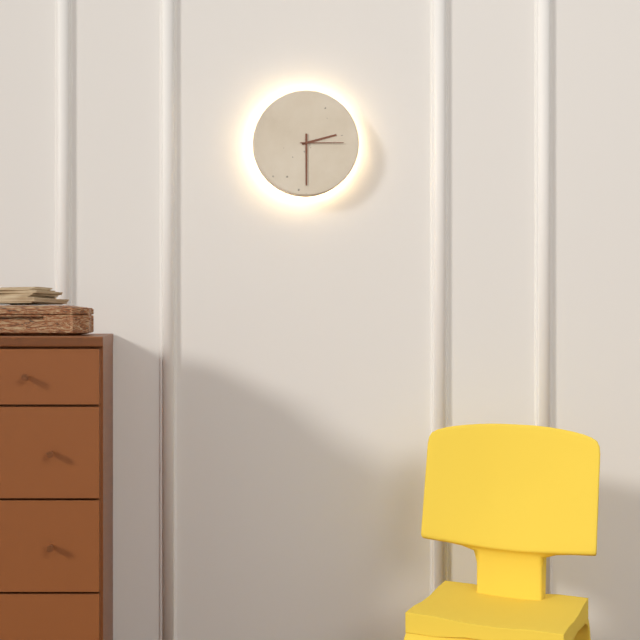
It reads 2h30
